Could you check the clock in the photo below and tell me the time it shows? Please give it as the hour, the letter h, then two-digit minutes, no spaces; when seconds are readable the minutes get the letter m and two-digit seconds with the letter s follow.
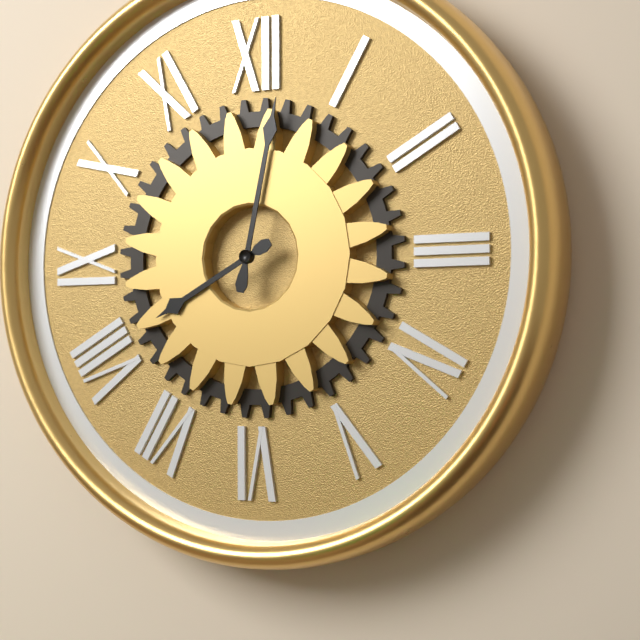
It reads 8h02
